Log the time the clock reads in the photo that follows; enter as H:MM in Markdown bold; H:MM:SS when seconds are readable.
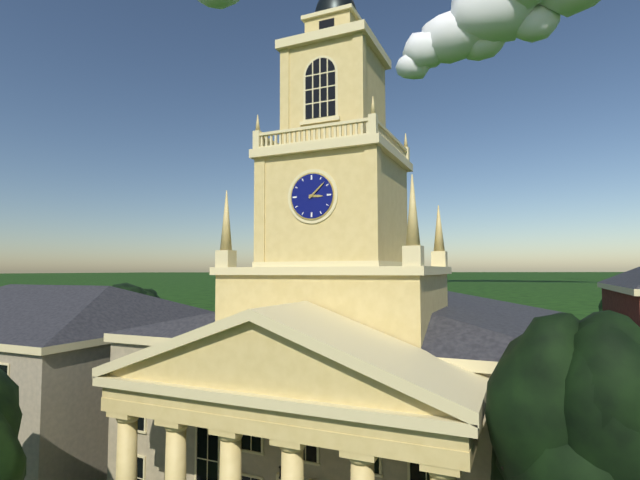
**3:08**
